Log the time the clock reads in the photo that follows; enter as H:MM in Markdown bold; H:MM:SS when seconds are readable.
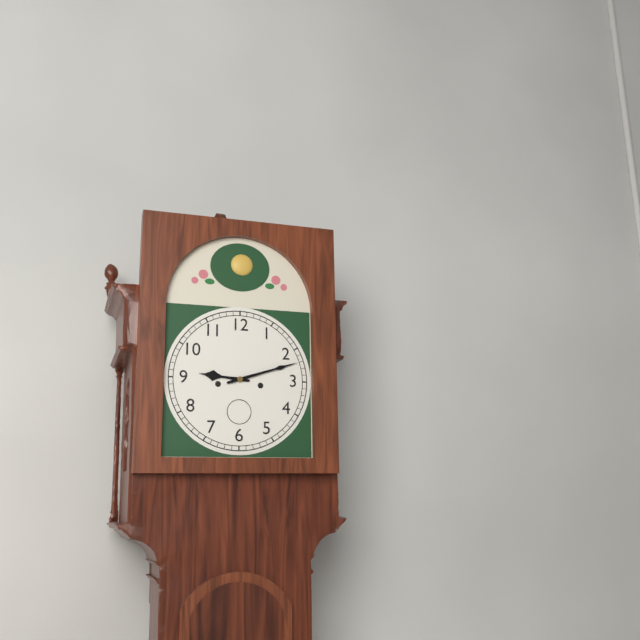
**9:12**
